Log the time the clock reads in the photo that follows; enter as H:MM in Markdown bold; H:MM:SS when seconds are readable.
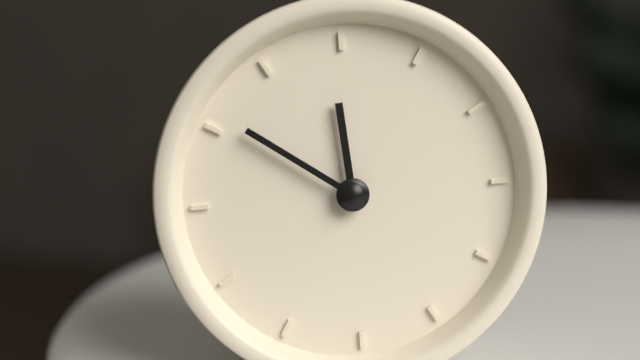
**11:51**
